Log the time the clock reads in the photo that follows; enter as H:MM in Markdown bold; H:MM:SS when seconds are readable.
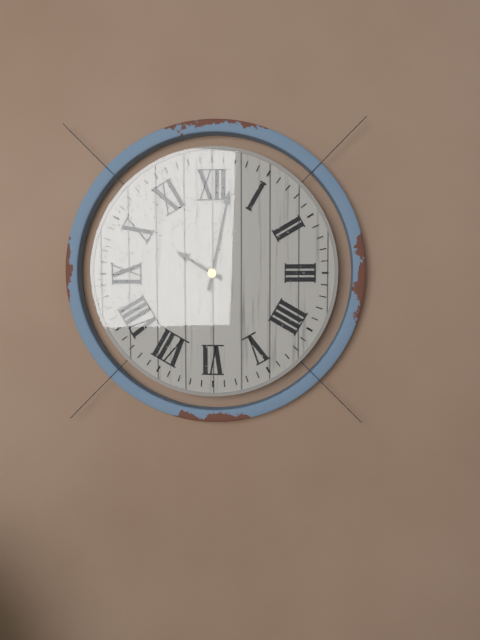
**10:02**
